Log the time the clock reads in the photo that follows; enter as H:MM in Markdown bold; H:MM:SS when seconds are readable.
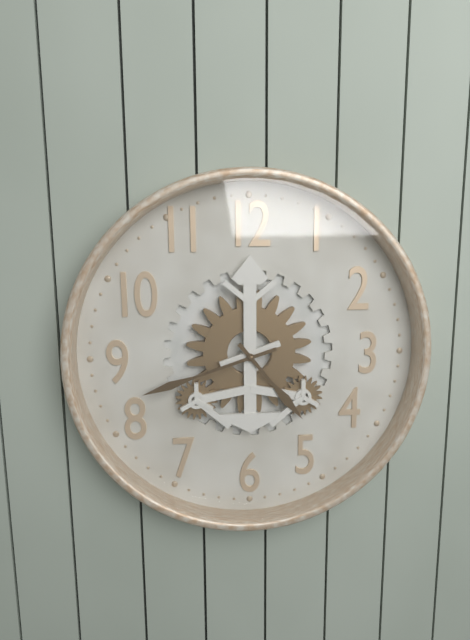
**4:42**
